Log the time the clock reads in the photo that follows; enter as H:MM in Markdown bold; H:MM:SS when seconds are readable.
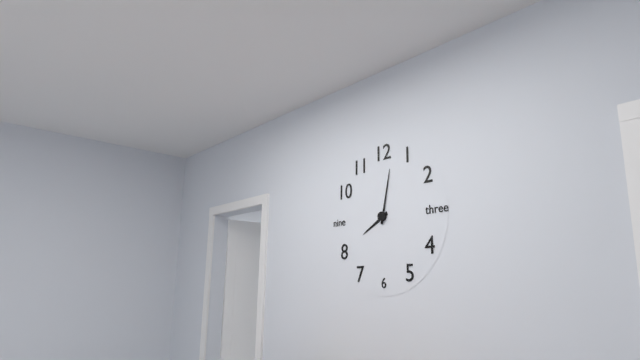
**8:02**
